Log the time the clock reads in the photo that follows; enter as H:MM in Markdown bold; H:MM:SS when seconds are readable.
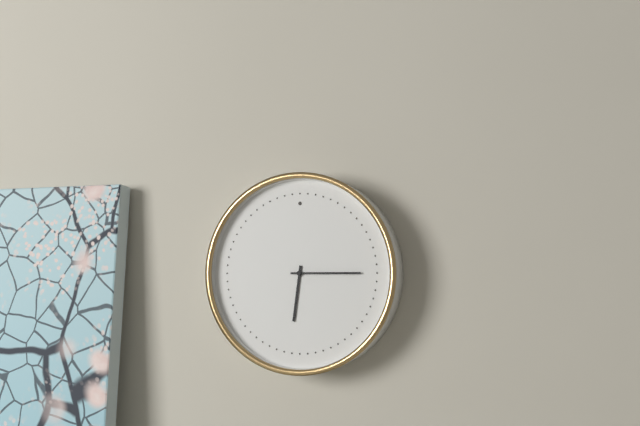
**6:15**
